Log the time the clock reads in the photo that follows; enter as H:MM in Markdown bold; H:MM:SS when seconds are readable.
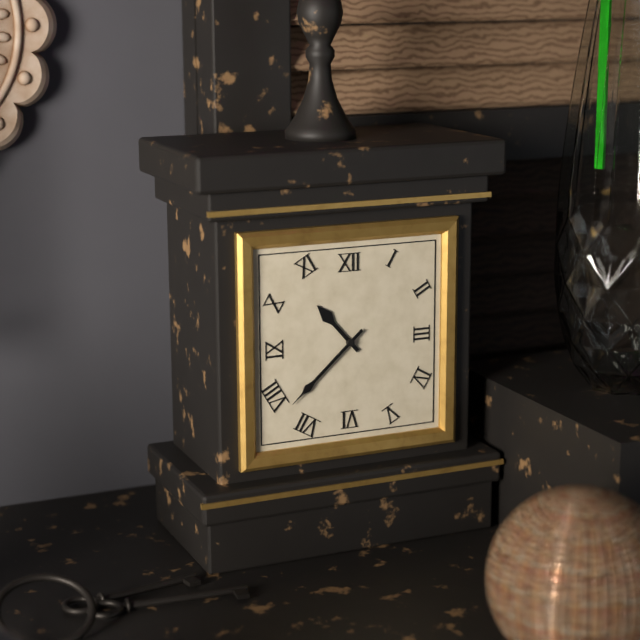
**10:38**
